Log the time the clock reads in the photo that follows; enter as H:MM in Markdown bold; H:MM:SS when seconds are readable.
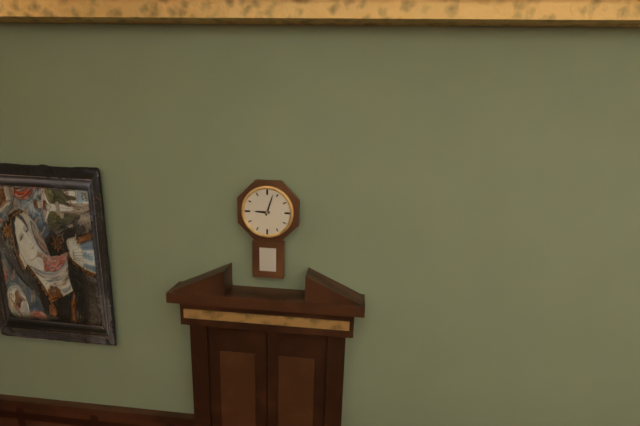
**9:03**
